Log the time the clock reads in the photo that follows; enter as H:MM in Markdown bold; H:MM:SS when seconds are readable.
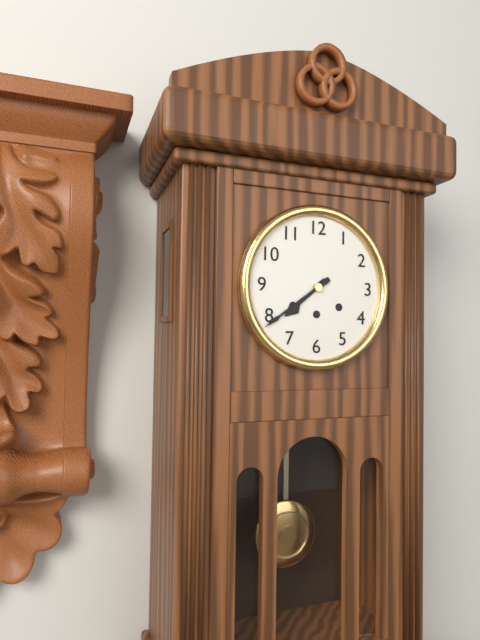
**7:39**
